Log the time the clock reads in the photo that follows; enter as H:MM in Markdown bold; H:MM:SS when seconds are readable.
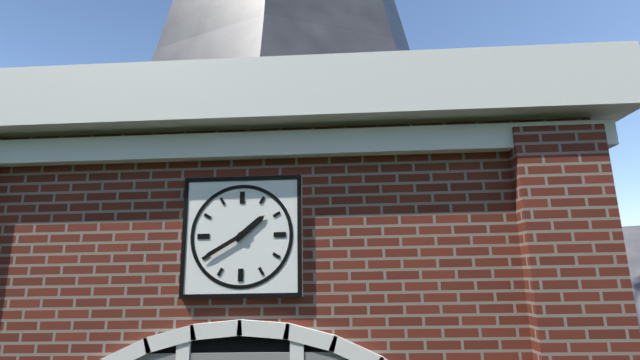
**1:40**
